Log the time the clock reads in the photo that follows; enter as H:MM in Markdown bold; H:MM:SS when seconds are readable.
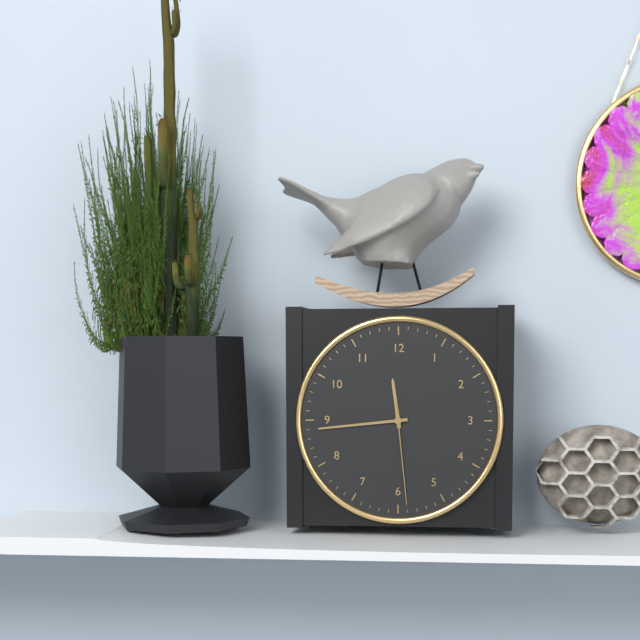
**11:44:29**
